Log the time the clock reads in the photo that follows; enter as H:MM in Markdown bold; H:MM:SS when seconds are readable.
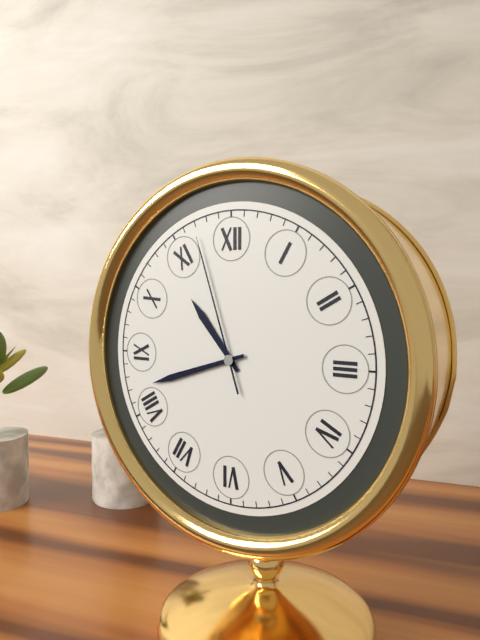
**10:42:57**
